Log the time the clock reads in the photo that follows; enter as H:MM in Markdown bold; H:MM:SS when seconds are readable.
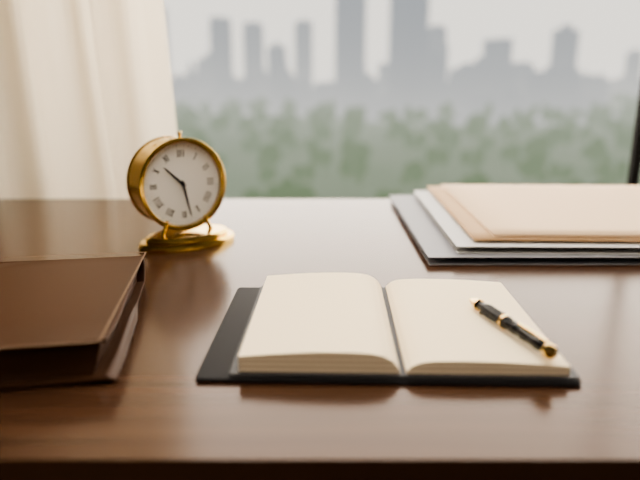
**10:28**
